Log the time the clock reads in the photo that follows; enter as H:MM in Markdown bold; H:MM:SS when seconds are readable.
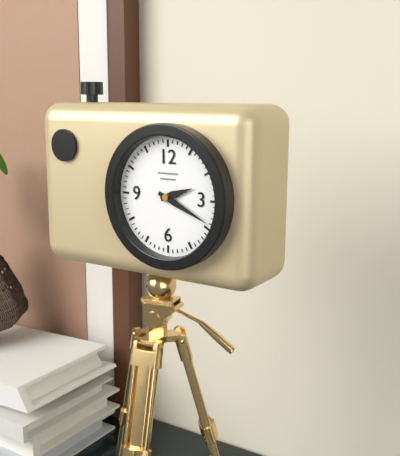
**2:19**
